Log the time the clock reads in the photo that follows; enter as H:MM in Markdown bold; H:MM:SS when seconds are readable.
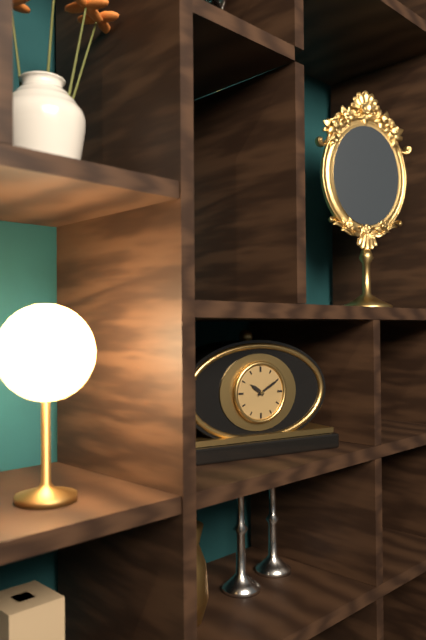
**10:10**
